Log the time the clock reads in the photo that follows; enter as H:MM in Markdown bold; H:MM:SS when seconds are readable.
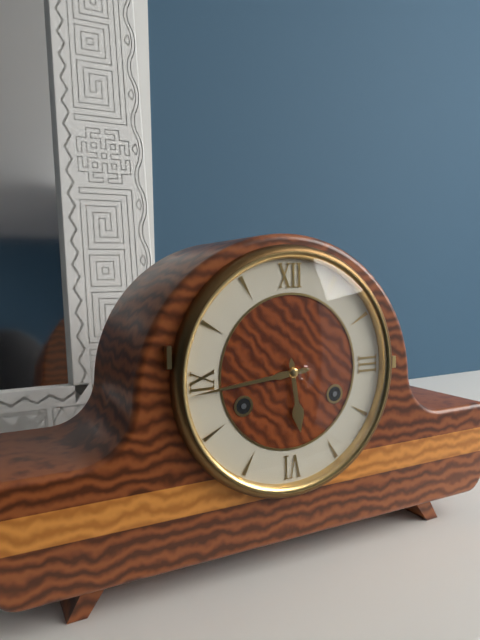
**5:44**
